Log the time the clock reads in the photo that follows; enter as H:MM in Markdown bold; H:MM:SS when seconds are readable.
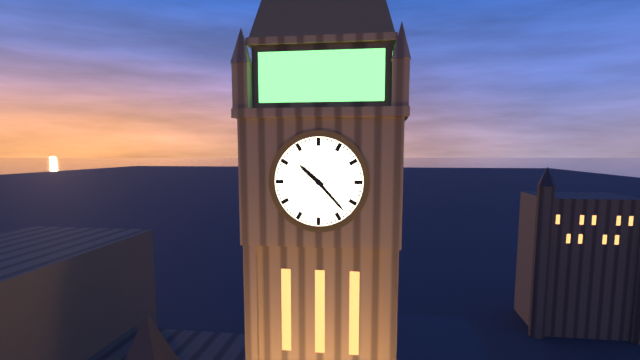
**10:23**
